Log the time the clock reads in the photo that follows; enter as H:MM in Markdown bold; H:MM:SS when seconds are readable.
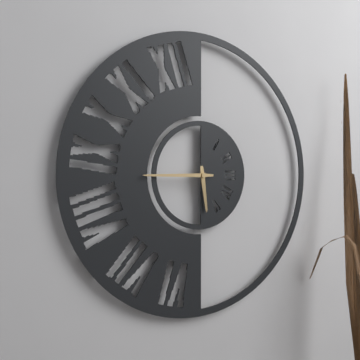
**5:45**
